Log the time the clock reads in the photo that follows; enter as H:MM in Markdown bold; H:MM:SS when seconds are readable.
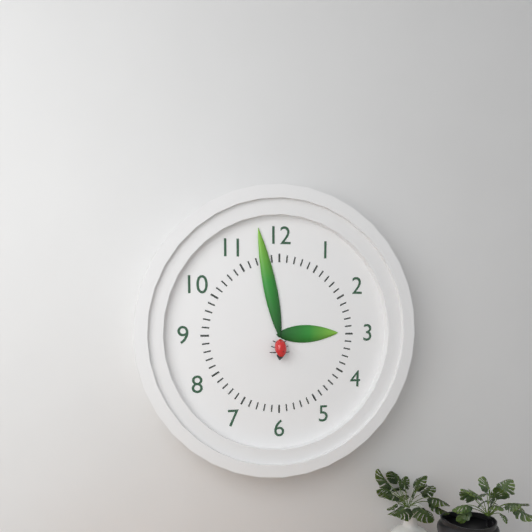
**2:58**
